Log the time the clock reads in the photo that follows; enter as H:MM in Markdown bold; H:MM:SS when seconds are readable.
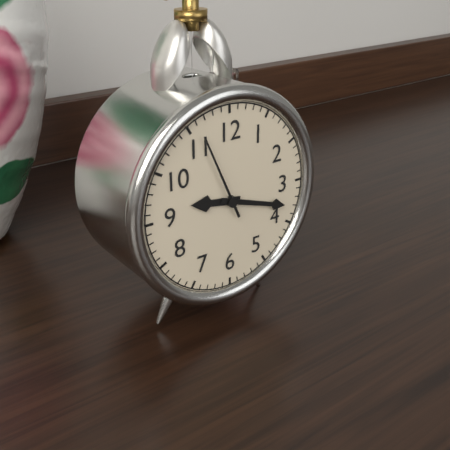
**9:18:56**
